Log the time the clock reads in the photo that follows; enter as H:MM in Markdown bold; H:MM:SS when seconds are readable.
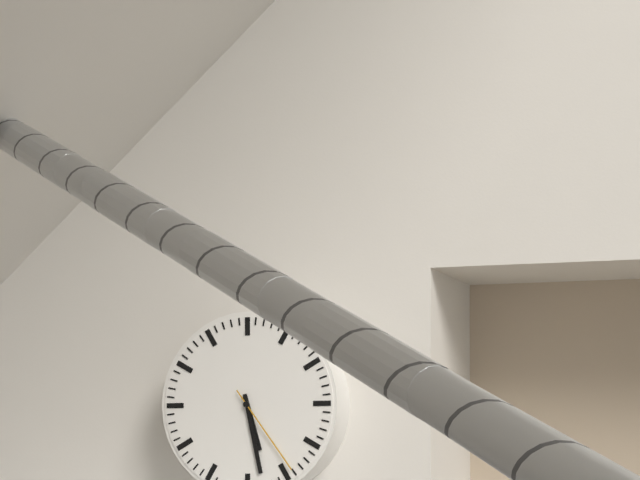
**5:28:24**
